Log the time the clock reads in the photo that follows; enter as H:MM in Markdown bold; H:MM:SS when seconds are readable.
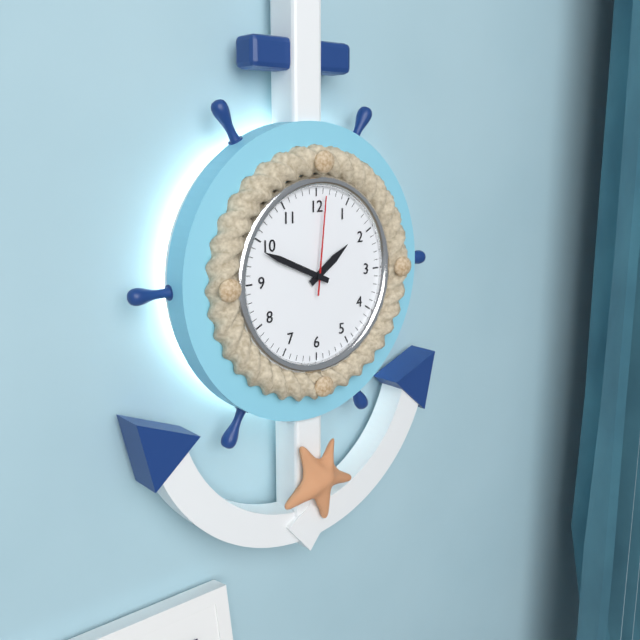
**1:49:01**
